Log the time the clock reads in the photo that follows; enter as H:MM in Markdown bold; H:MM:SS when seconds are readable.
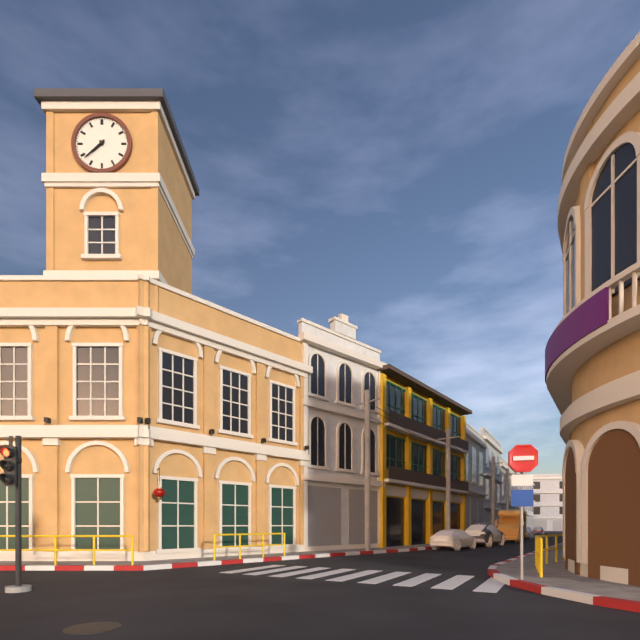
**7:38**
